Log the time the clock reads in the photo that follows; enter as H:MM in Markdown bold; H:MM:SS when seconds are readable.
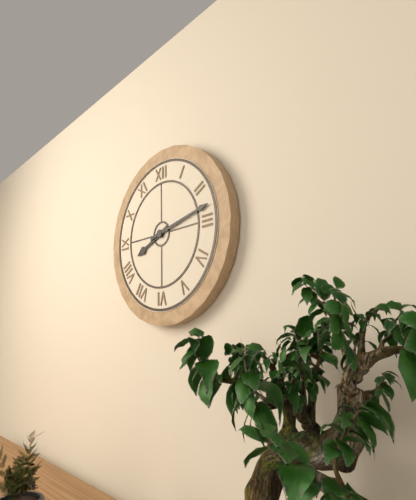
**8:13**
